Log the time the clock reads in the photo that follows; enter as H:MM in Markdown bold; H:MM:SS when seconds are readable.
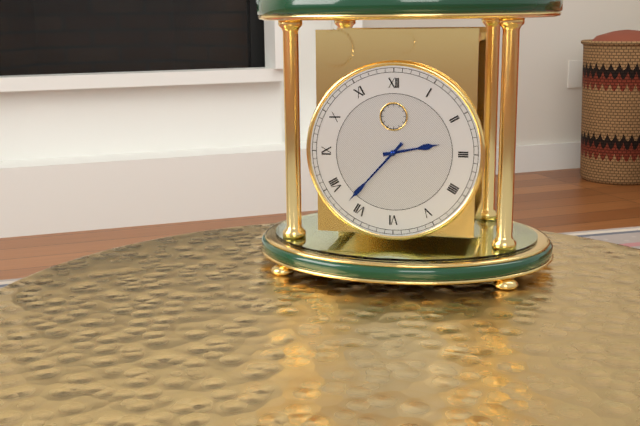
**2:37**
